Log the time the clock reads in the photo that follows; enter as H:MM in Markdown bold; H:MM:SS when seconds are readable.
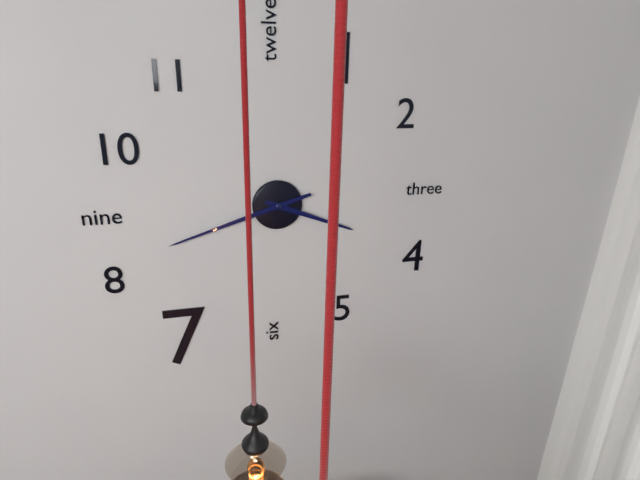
**3:42**
